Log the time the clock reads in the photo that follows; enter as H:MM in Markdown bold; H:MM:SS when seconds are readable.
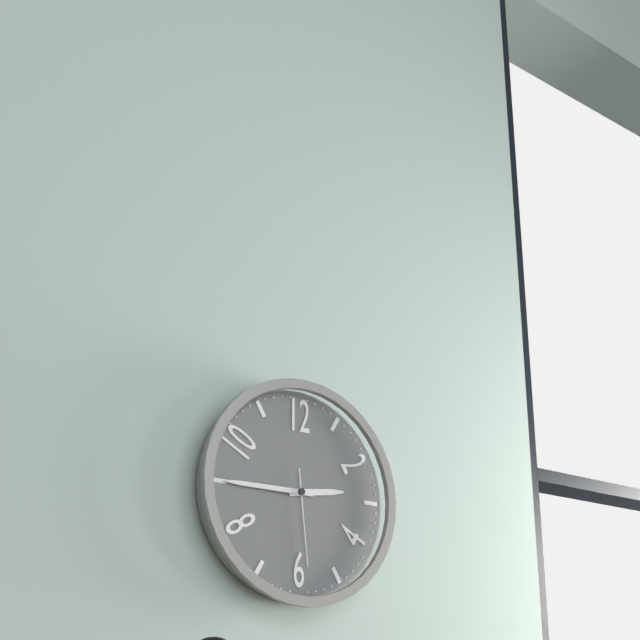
**2:45:29**
